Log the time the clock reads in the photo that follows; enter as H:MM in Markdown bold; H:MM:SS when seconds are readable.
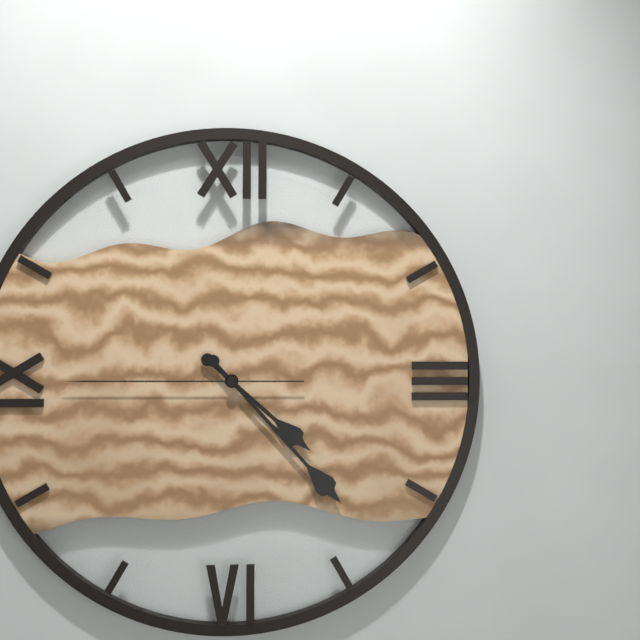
**4:23:45**
